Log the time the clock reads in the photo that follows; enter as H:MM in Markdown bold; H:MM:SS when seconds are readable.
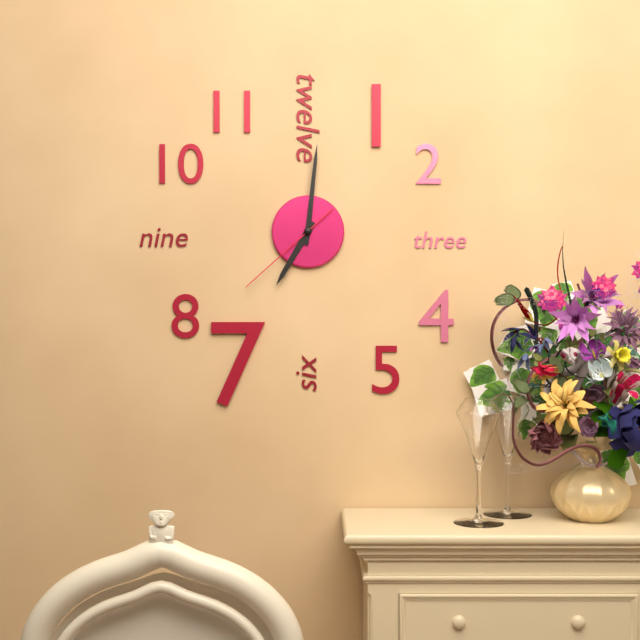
**7:01:38**
